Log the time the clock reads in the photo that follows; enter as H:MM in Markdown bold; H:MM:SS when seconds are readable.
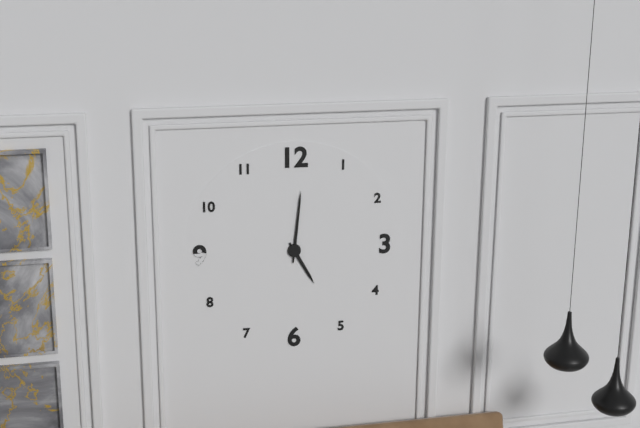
**5:01**
